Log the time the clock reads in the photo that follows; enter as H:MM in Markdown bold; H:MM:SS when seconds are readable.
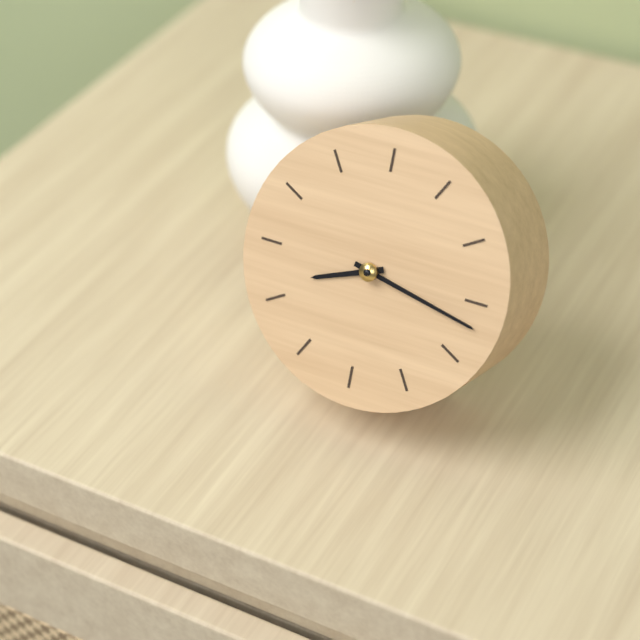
**8:17**
